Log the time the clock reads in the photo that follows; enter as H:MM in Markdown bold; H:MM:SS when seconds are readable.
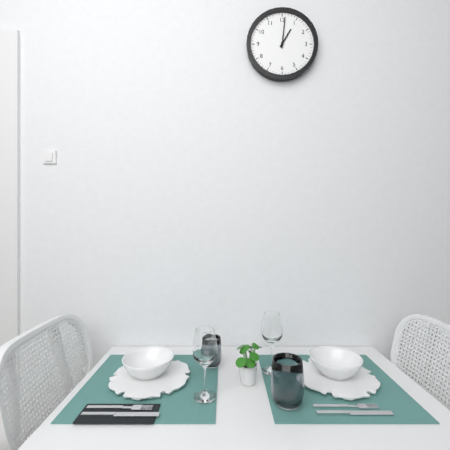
**1:01**
